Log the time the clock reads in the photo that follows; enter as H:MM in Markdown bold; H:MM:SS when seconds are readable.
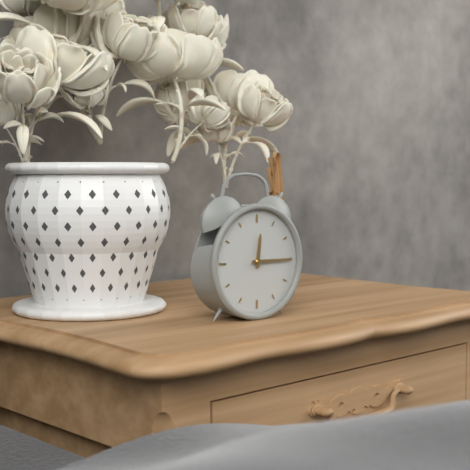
**12:15**
